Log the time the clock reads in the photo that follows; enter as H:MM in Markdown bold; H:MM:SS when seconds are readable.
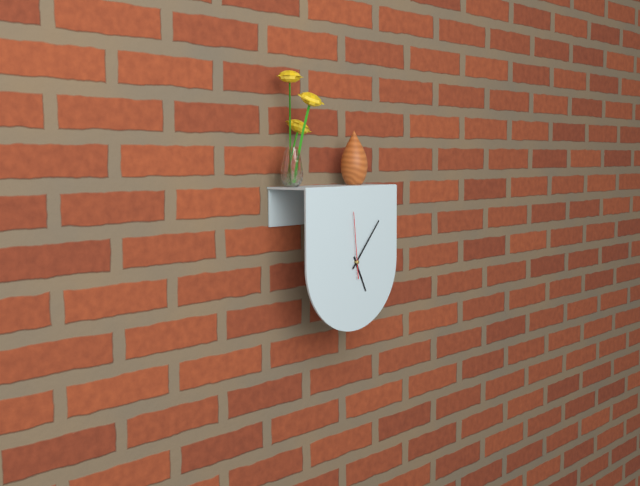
**5:07:59**
